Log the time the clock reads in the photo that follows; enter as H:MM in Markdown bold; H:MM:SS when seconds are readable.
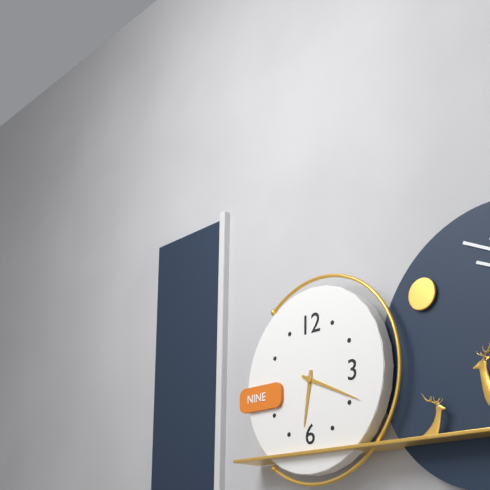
**6:19**
